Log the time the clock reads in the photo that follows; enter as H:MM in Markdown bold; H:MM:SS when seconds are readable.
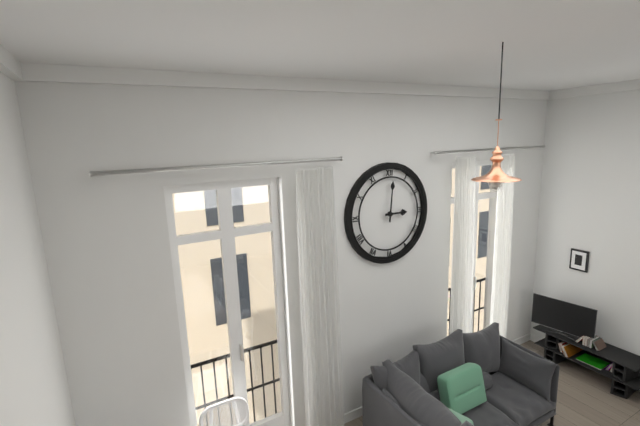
**3:01**
